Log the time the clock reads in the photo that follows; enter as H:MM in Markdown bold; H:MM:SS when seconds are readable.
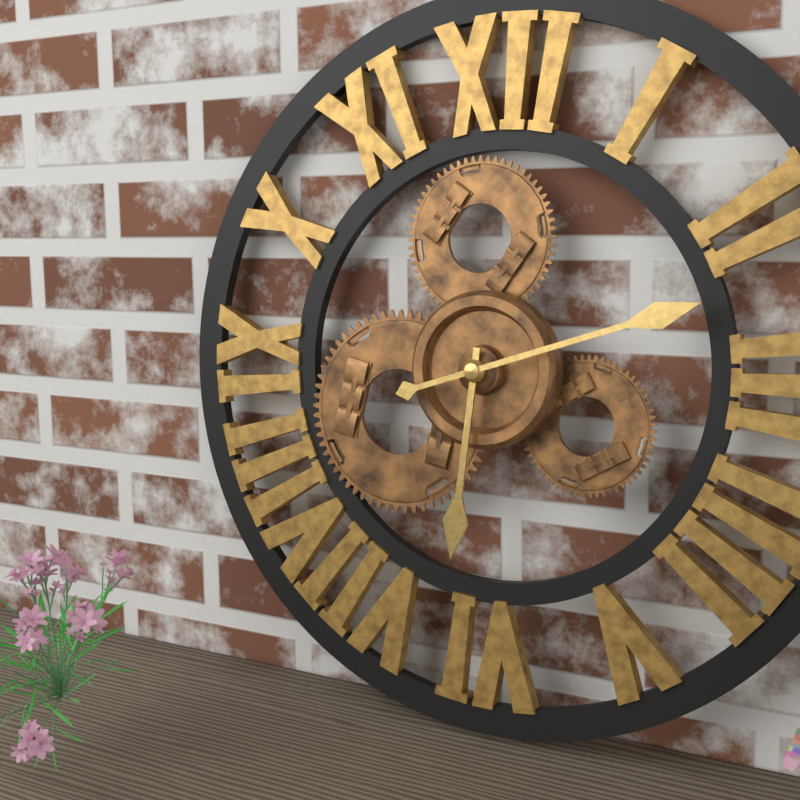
**6:12**
